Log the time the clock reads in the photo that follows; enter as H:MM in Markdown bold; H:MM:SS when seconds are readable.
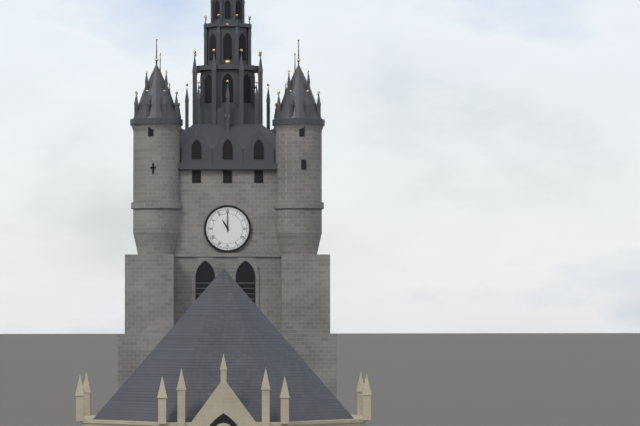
**11:00**
